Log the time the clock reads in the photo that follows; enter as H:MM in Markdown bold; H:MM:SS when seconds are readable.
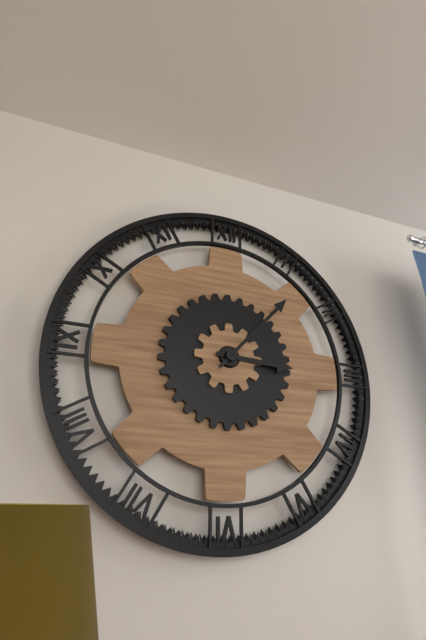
**3:07**
